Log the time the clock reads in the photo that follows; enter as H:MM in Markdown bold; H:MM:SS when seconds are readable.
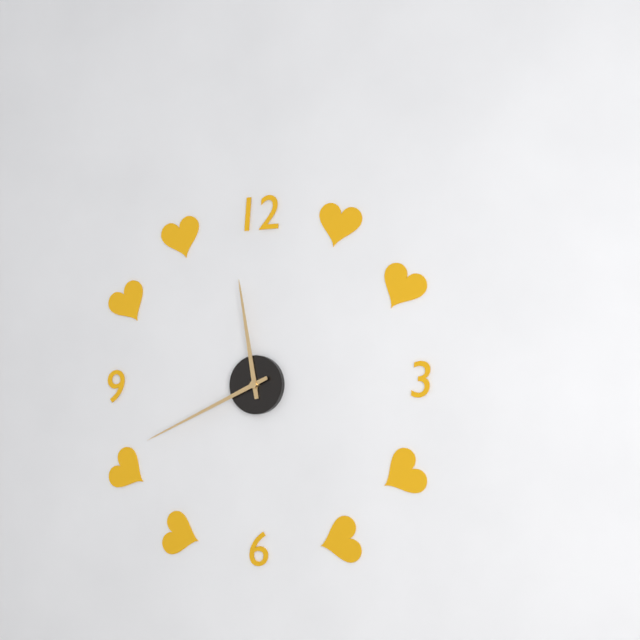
**11:41**
